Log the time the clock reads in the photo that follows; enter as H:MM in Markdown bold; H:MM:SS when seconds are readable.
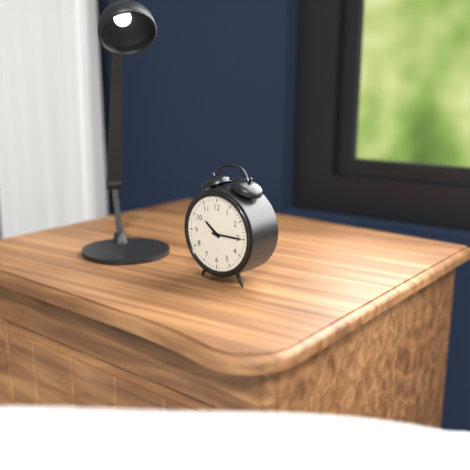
**10:15**
